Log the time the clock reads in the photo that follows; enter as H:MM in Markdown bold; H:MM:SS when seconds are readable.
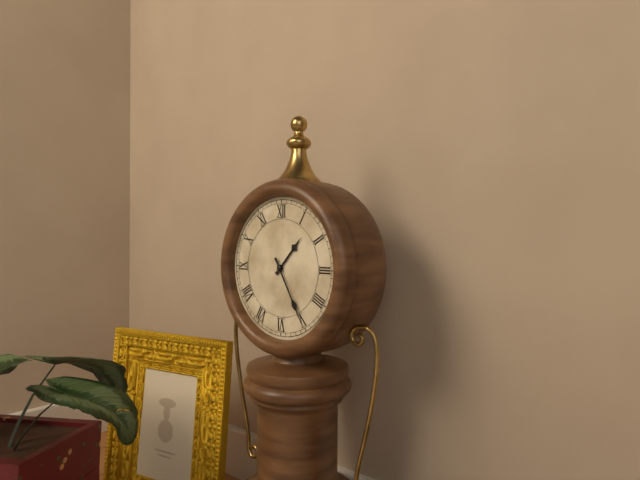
**1:25**
